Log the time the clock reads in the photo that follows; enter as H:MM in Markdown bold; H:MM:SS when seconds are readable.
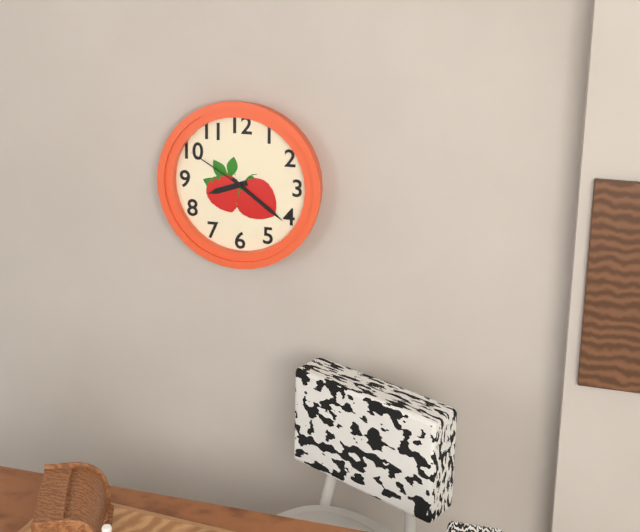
**8:21:50**
